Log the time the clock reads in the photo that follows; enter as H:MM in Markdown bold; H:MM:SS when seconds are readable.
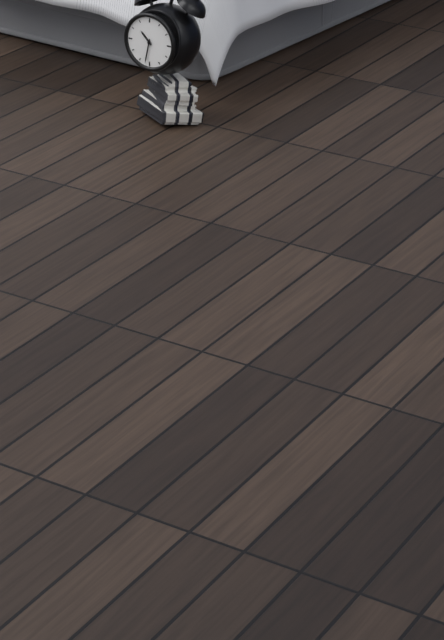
**10:32**
